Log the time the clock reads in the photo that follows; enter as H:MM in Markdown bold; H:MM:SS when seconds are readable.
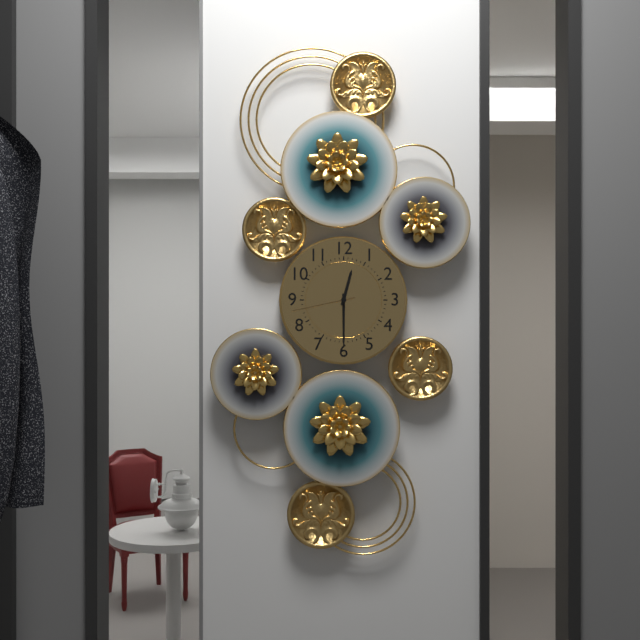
**12:30:43**
